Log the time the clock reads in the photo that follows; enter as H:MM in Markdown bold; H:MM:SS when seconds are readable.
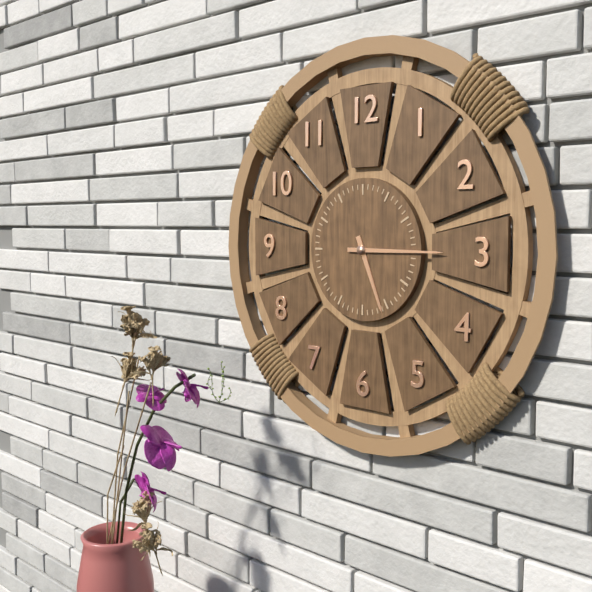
**5:15**
